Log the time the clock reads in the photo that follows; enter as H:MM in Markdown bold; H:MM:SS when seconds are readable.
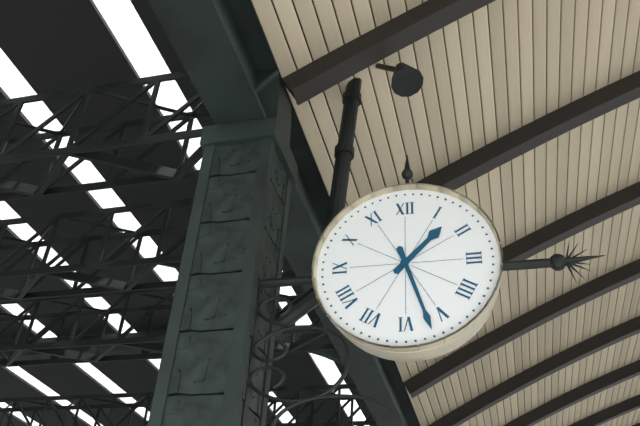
**1:27**
